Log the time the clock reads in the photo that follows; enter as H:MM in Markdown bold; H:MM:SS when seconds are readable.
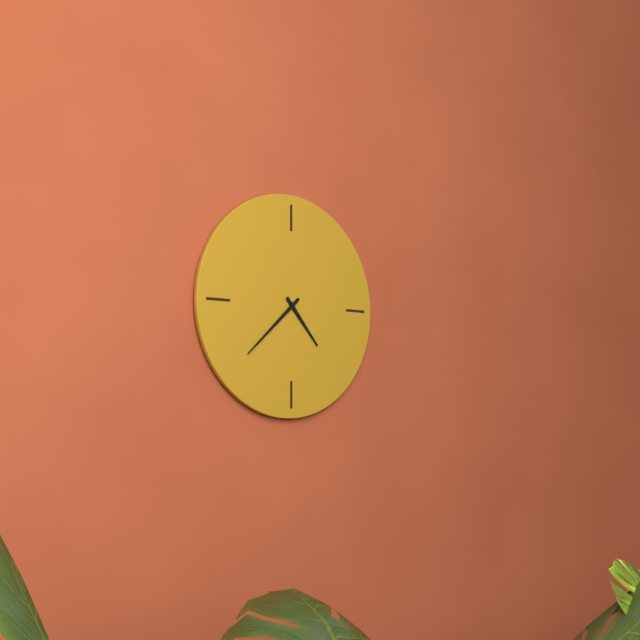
**4:38**
